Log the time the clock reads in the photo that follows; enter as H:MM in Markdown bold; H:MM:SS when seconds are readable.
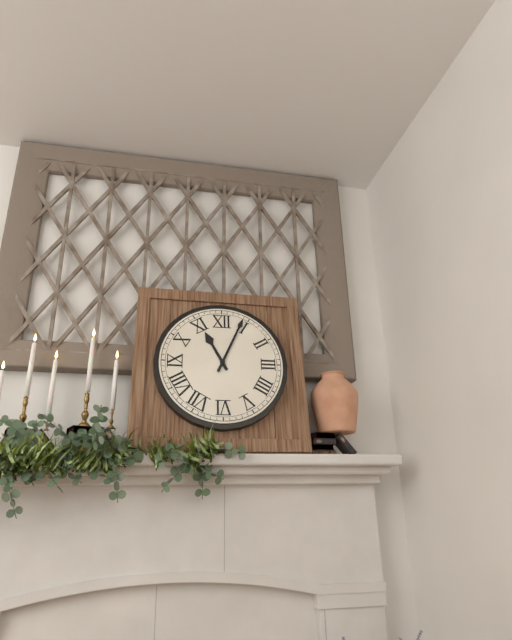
**11:04**
